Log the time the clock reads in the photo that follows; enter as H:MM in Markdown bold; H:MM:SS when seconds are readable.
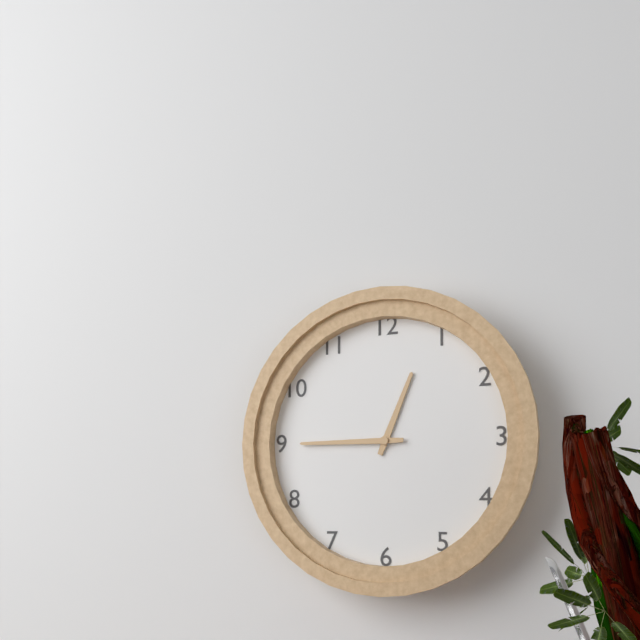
**12:45**
